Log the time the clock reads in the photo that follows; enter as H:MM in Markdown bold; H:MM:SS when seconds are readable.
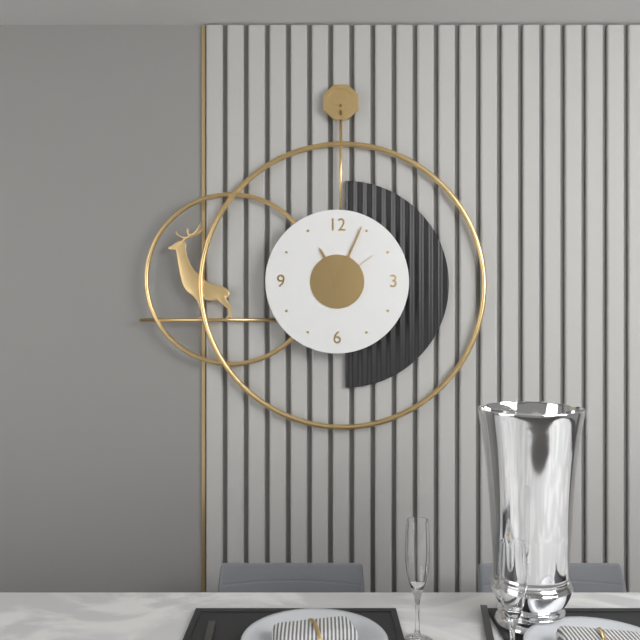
**11:04:09**
